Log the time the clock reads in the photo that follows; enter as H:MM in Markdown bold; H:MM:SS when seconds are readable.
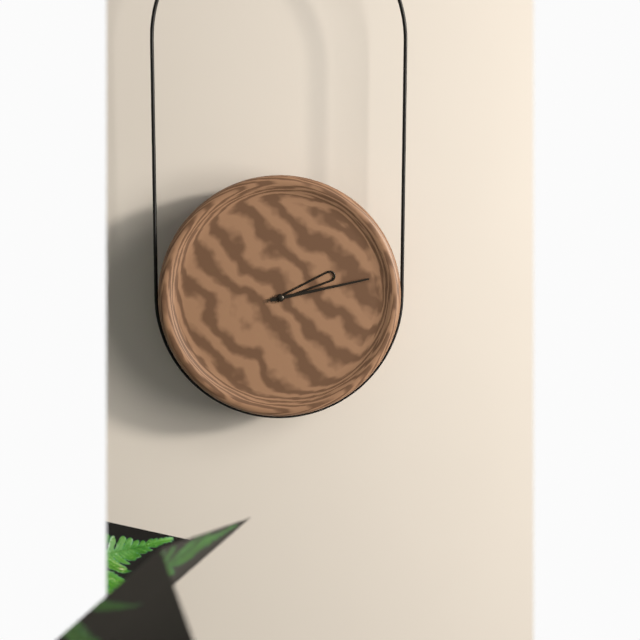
**2:13**
